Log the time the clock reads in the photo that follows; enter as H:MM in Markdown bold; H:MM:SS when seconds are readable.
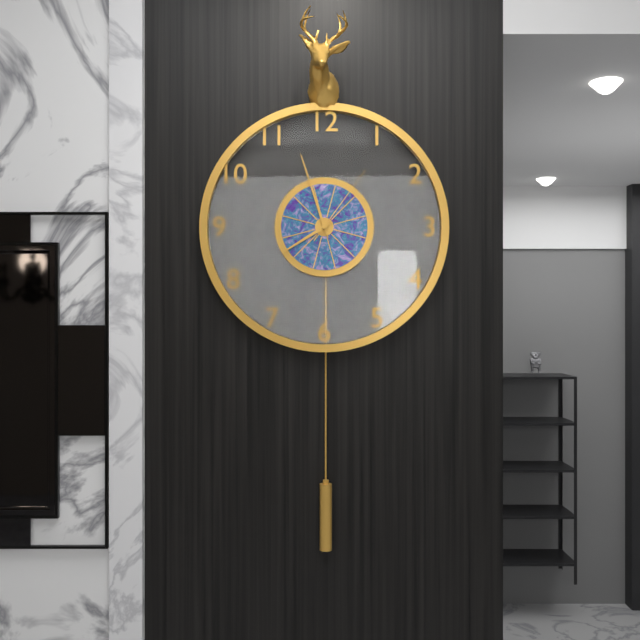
**7:57:06**
